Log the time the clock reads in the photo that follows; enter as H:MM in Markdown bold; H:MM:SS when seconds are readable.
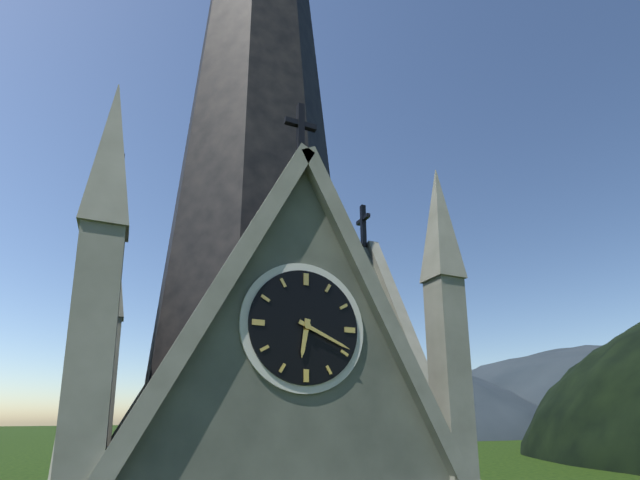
**6:19**
